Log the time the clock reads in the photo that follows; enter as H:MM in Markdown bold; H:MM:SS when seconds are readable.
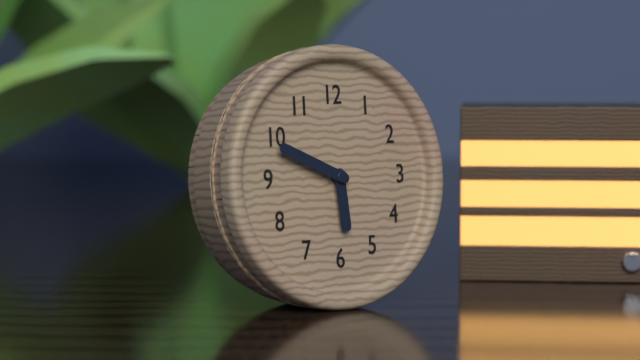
**5:49**
